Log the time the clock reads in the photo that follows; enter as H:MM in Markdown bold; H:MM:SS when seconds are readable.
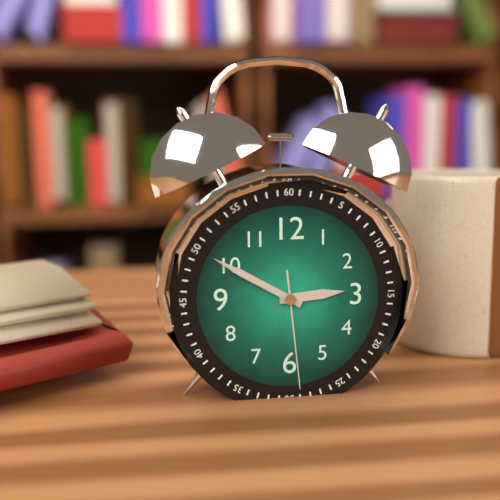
**2:50:29**
